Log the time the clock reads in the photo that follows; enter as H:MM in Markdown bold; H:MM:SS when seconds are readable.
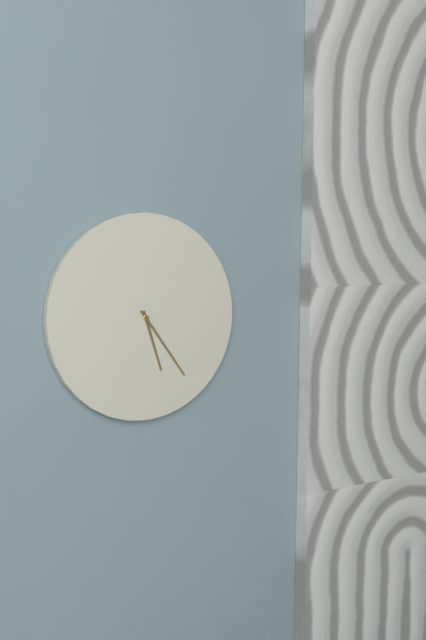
**5:24**
